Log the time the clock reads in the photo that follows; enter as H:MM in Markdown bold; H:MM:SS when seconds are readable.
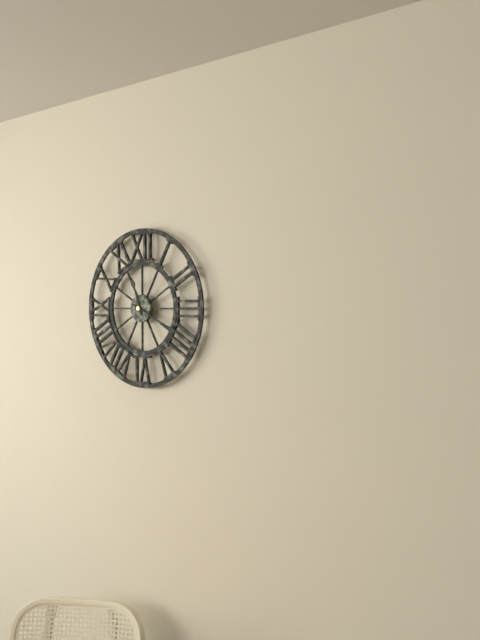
**11:19**
